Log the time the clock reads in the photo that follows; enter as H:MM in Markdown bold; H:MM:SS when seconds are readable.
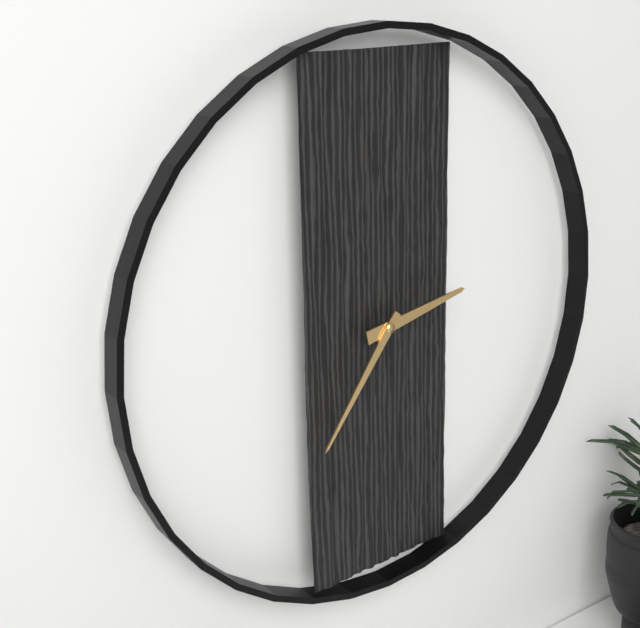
**2:36**
